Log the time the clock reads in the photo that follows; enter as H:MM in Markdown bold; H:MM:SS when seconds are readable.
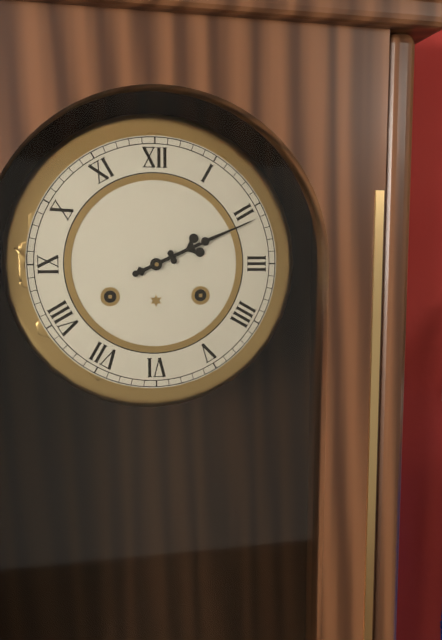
**2:11**
